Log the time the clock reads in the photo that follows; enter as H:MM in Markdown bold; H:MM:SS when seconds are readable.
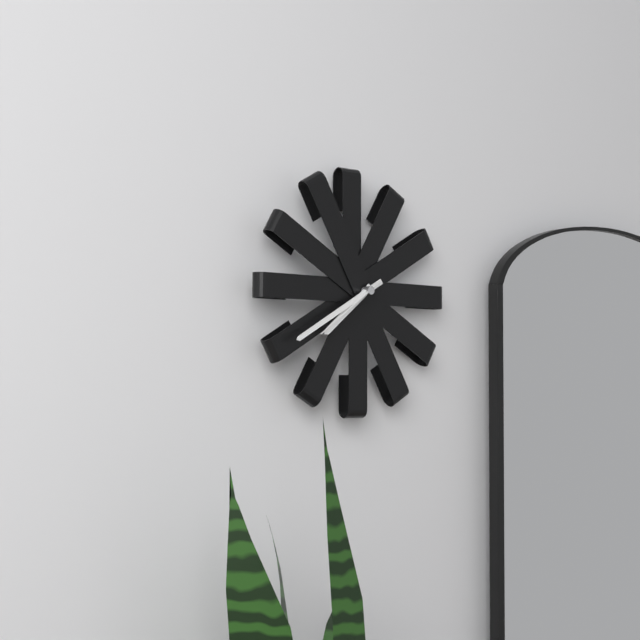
**7:40:39**
